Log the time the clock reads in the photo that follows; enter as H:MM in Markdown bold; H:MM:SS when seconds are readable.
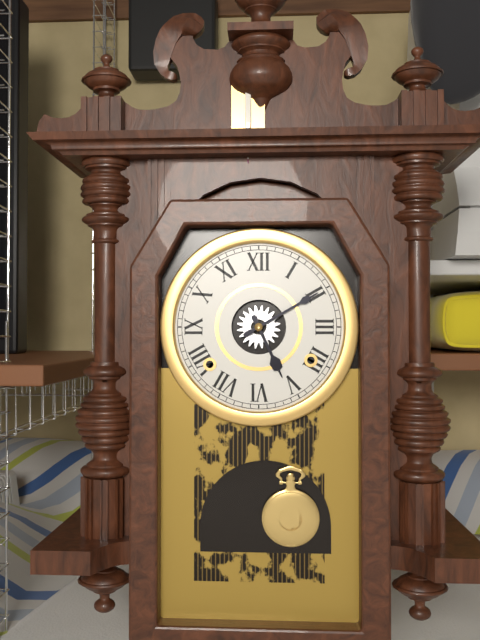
**5:10**
